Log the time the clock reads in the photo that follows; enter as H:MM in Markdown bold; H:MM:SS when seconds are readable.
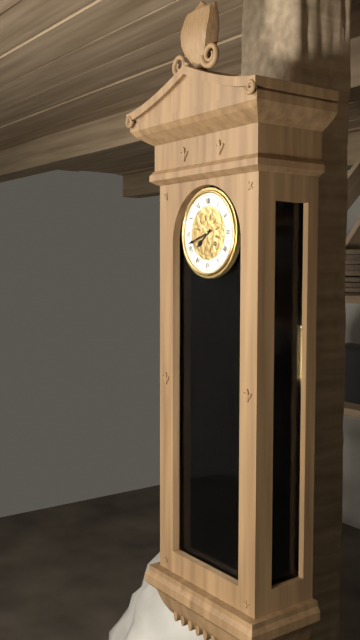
**7:42**
